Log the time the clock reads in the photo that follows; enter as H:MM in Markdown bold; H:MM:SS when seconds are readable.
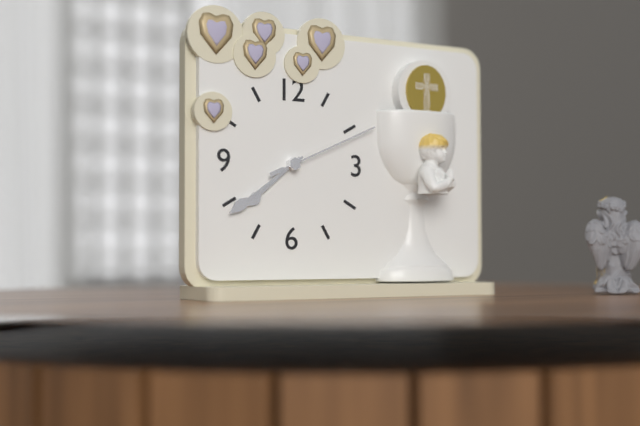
**7:39:11**
